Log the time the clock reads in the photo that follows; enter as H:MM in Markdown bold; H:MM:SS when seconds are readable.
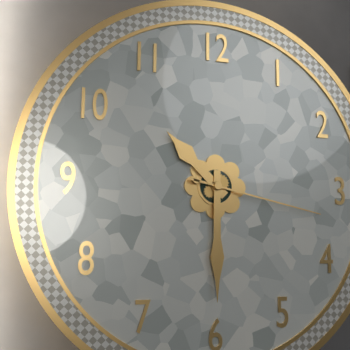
**10:30:17**
